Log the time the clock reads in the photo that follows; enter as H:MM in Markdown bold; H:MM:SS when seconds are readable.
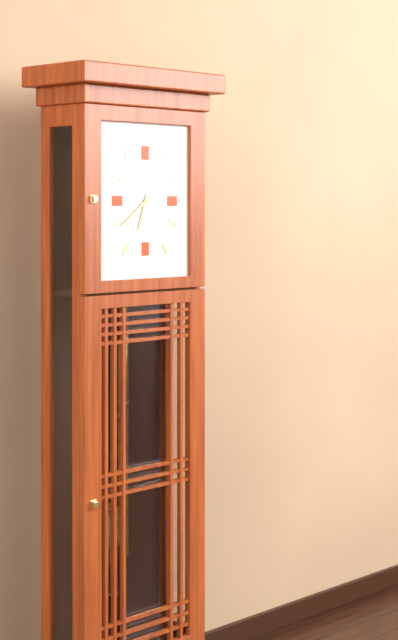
**6:39**
